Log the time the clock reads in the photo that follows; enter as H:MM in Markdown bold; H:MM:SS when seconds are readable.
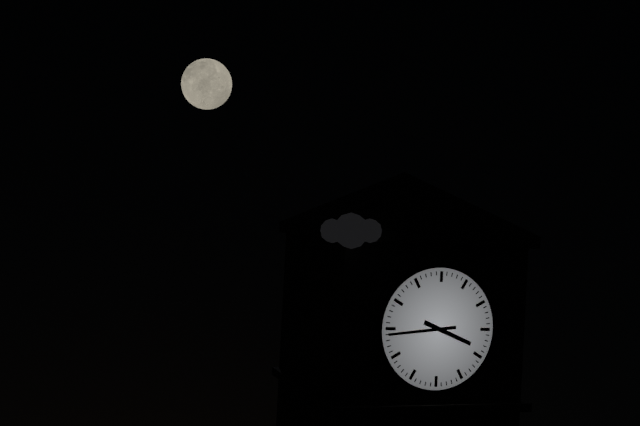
**3:44**
